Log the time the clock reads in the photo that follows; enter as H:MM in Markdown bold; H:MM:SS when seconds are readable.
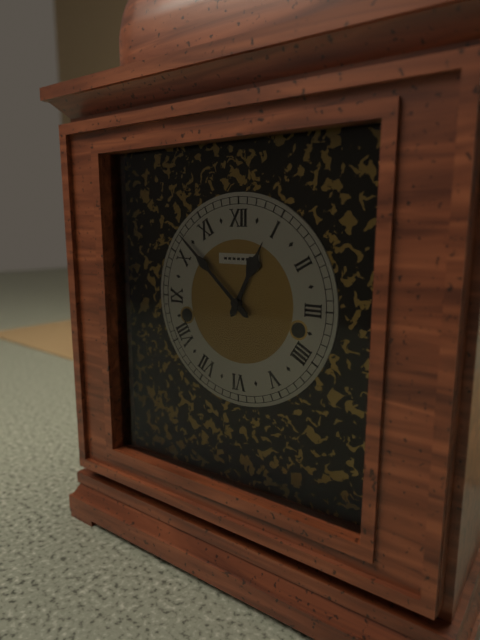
**12:52**
